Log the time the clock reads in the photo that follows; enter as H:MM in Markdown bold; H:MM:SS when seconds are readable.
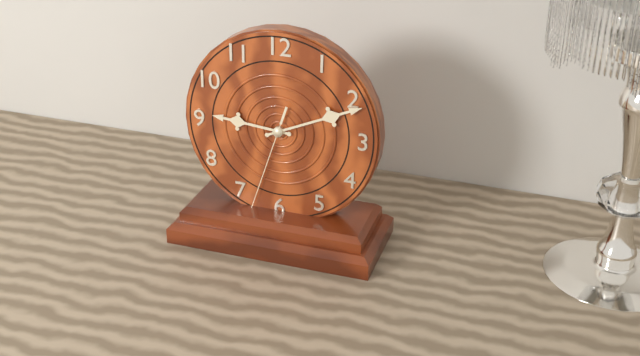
**9:11:33**
